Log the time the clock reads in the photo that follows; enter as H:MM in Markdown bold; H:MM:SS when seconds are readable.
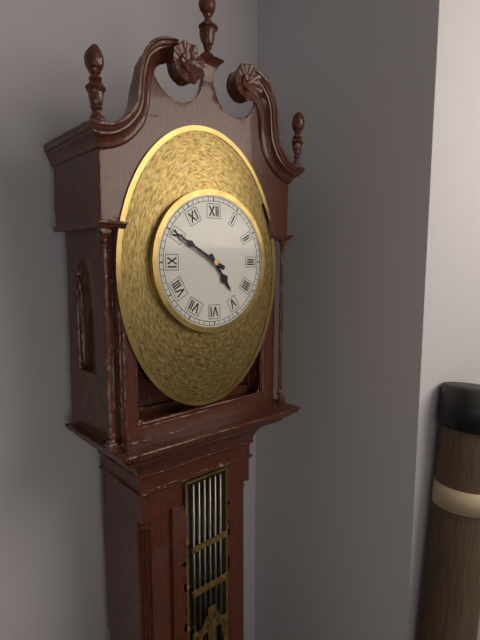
**4:50**
